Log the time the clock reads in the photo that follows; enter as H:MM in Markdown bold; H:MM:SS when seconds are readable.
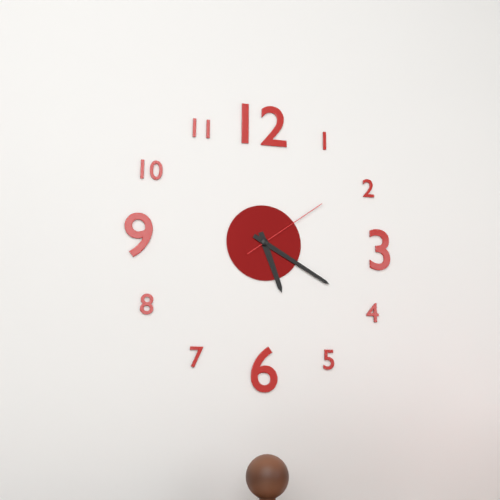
**5:20:09**
